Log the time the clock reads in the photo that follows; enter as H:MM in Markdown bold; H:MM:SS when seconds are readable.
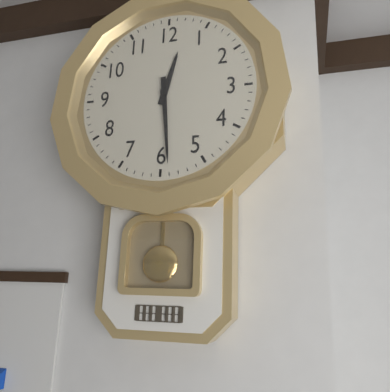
**12:29**
